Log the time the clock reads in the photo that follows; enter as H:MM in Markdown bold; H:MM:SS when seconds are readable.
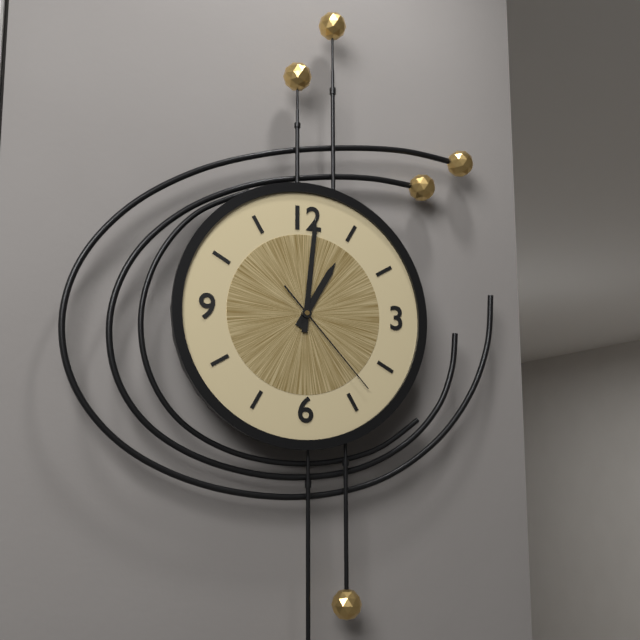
**1:01:23**
